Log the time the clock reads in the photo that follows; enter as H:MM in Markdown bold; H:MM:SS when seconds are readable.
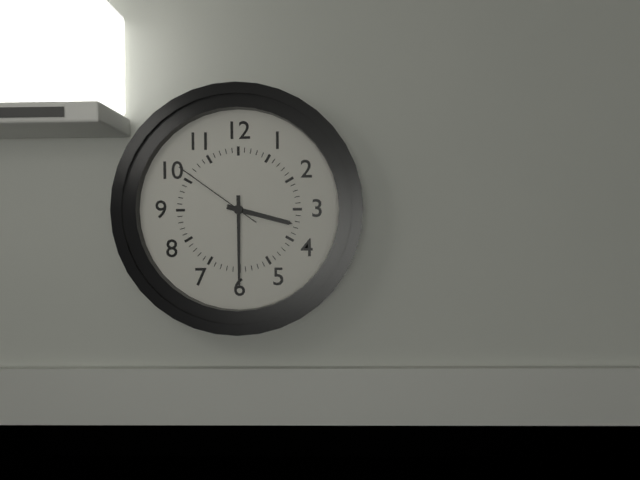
**3:30:51**
